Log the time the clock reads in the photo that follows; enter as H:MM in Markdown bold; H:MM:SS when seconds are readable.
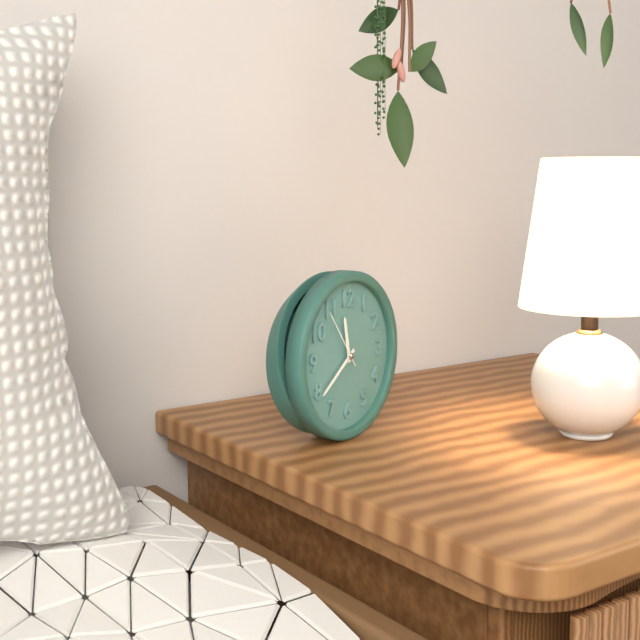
**11:39:54**
